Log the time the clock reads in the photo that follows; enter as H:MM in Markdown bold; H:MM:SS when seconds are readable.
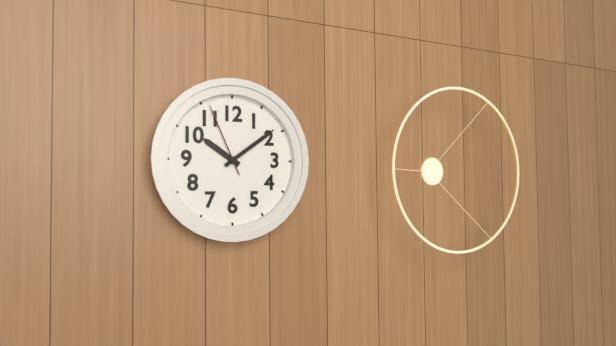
**10:09:56**
